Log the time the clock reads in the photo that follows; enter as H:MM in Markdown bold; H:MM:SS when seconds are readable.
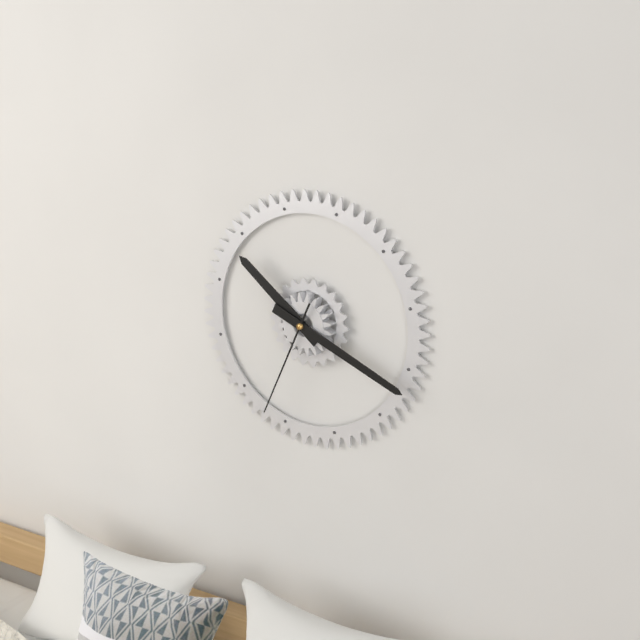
**10:19:34**
